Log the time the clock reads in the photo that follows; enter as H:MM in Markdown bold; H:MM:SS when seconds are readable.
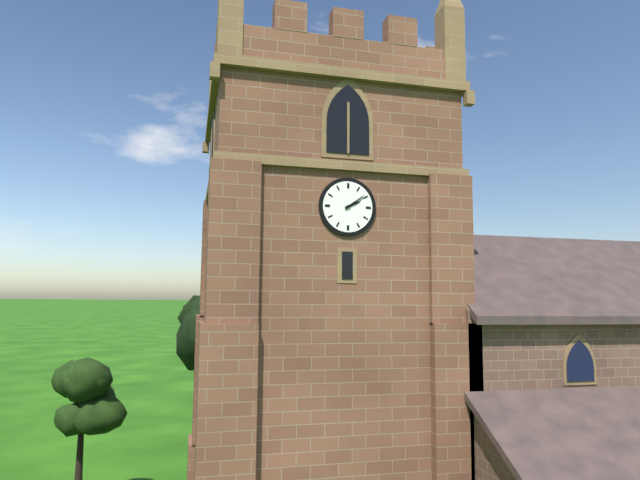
**2:09**
